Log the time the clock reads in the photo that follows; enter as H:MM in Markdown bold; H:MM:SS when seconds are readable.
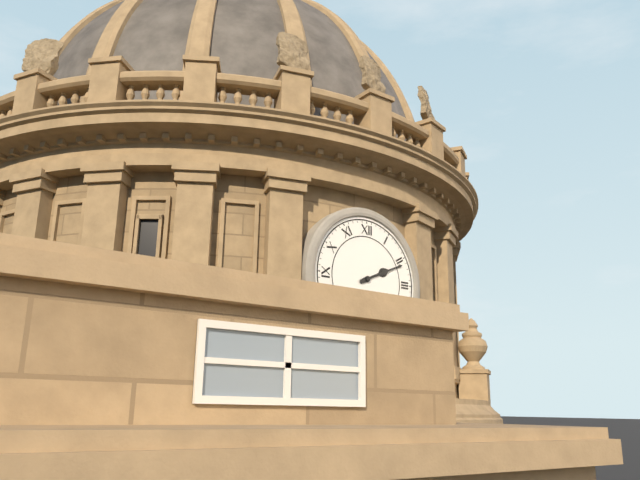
**2:11**
